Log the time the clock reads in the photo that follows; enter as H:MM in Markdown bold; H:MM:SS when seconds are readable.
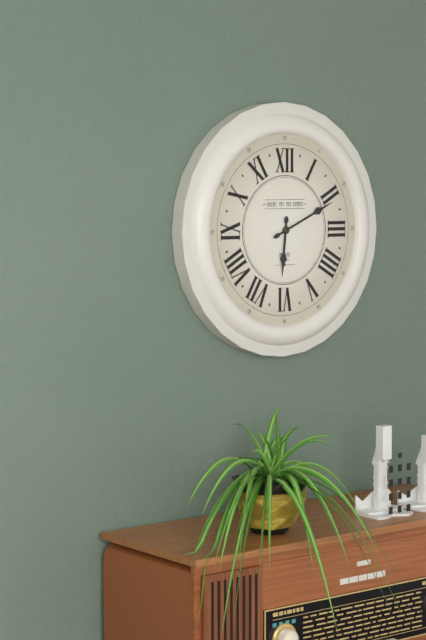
**6:11**
